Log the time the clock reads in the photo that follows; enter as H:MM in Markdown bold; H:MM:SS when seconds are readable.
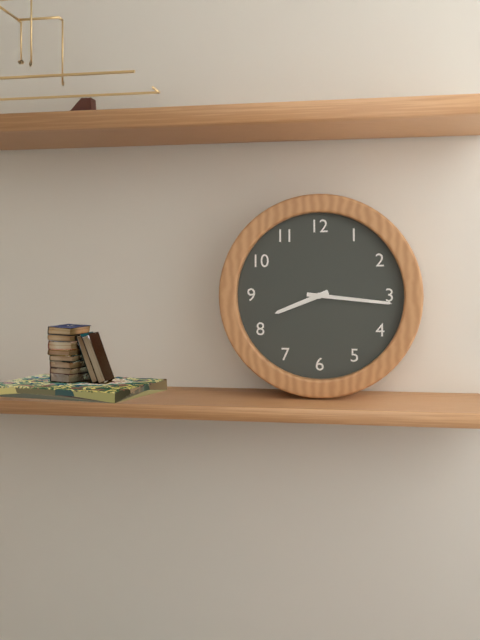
**8:16**
